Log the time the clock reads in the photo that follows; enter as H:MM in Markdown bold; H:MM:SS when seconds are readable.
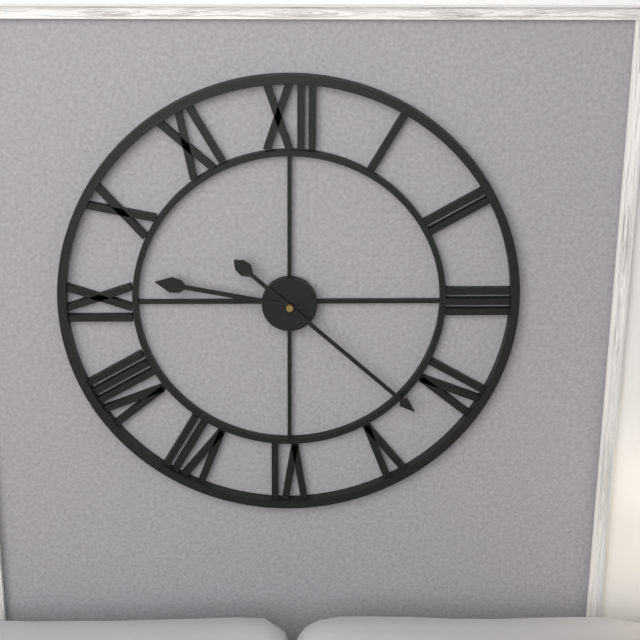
**9:22**
